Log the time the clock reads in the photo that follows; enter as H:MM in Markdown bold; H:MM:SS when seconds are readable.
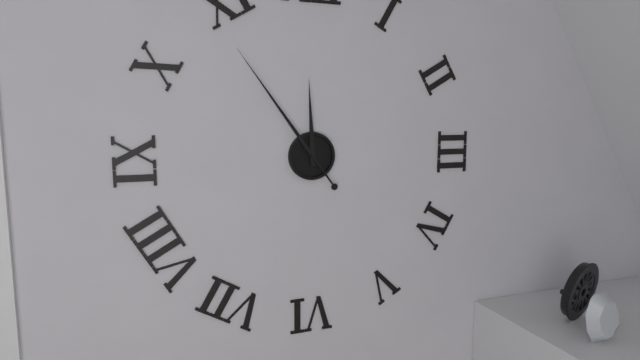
**11:54**
